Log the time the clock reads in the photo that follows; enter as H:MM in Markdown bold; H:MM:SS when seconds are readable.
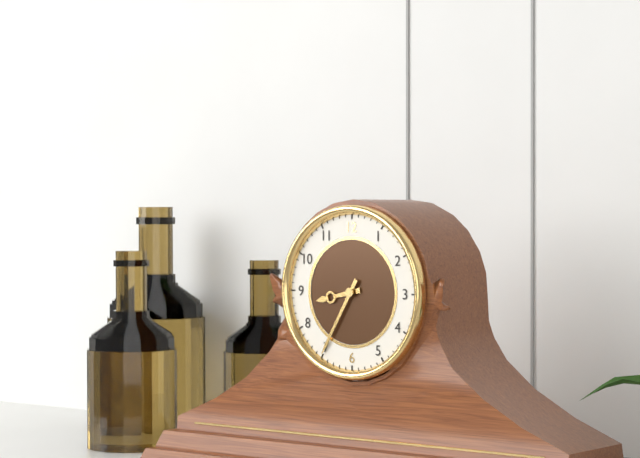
**8:35**
